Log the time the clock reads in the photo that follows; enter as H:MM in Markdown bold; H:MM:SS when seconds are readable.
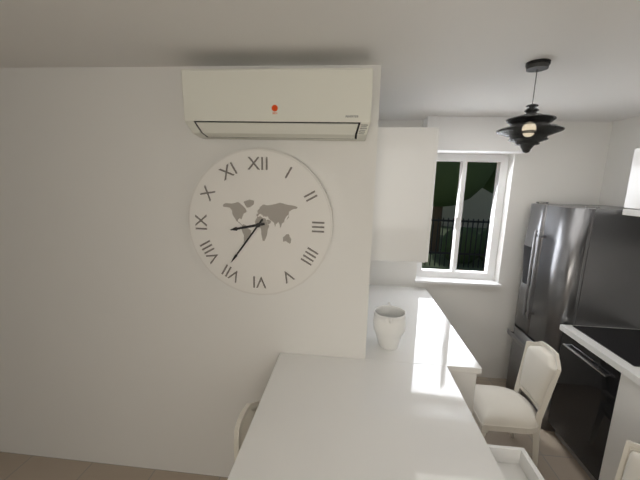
**8:36**
